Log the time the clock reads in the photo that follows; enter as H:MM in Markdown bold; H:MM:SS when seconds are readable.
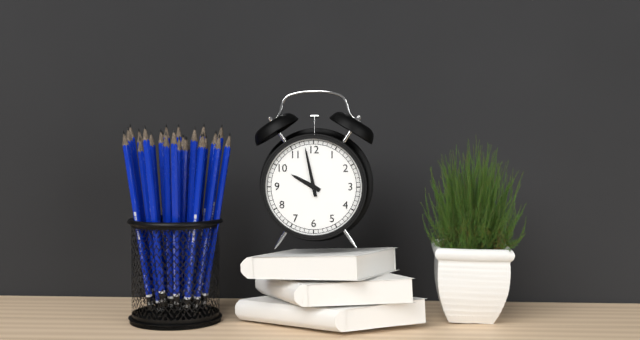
**9:58**
